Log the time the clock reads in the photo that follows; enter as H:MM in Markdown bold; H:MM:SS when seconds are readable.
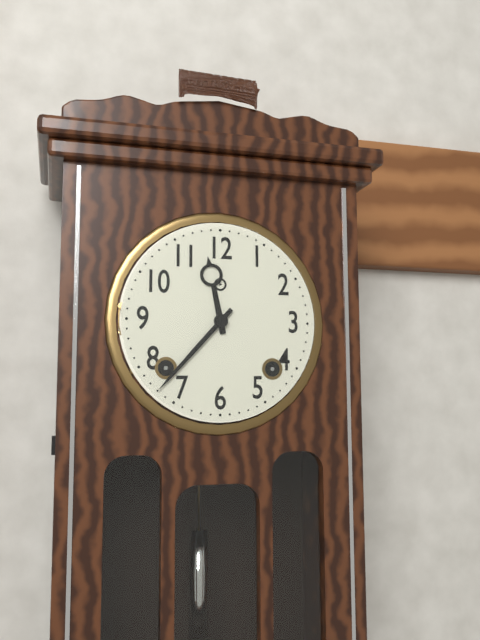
**11:37**
